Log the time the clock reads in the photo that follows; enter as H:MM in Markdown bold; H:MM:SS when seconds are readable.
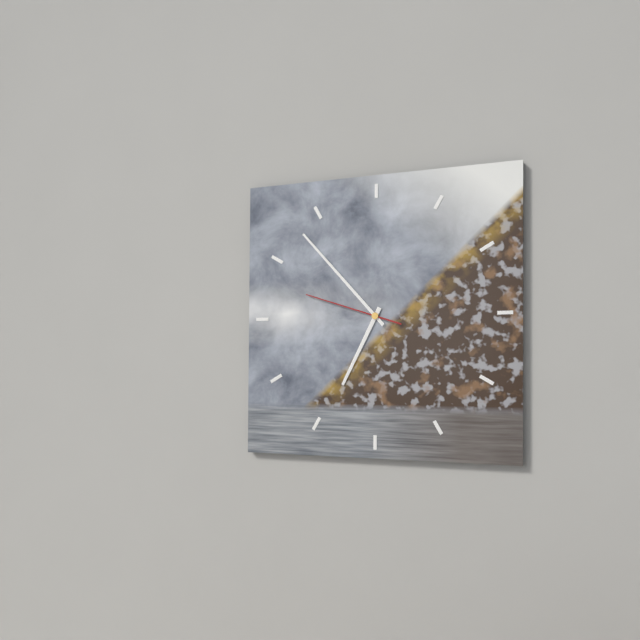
**6:53:48**
